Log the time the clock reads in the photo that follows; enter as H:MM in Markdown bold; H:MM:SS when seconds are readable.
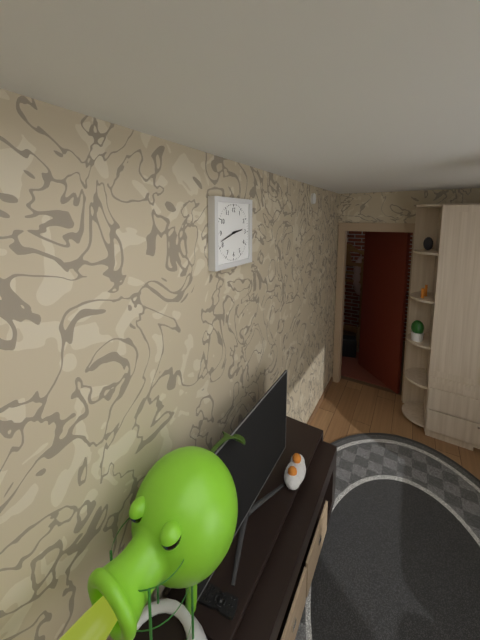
**2:42**
